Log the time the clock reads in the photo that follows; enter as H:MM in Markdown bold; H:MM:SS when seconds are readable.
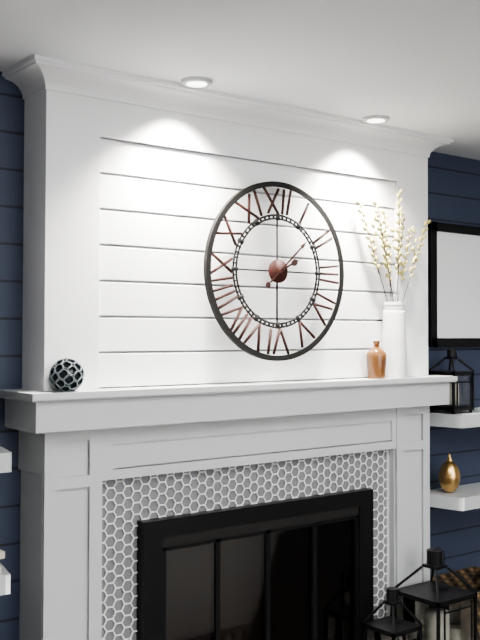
**2:08**
